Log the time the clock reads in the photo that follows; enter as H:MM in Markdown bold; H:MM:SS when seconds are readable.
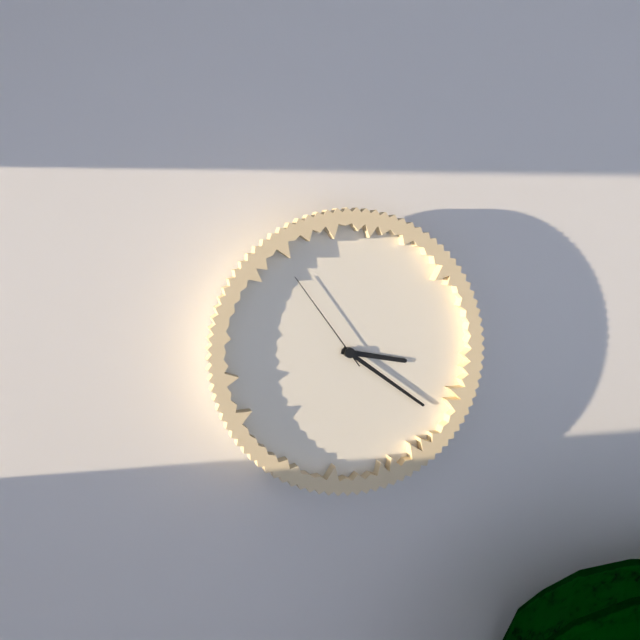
**3:21:54**
